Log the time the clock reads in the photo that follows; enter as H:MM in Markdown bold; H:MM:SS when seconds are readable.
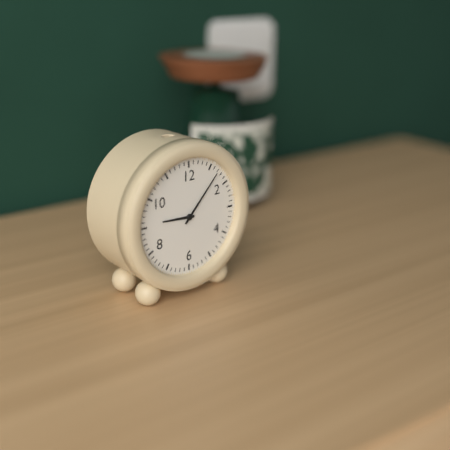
**9:07**
